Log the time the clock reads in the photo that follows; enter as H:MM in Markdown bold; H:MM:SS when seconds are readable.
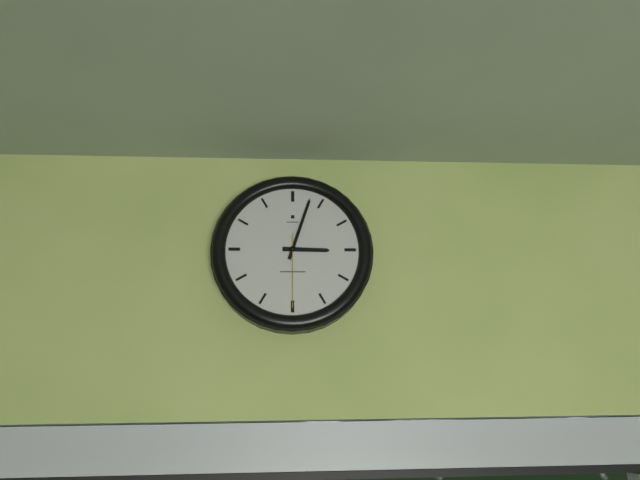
**3:03:30**
